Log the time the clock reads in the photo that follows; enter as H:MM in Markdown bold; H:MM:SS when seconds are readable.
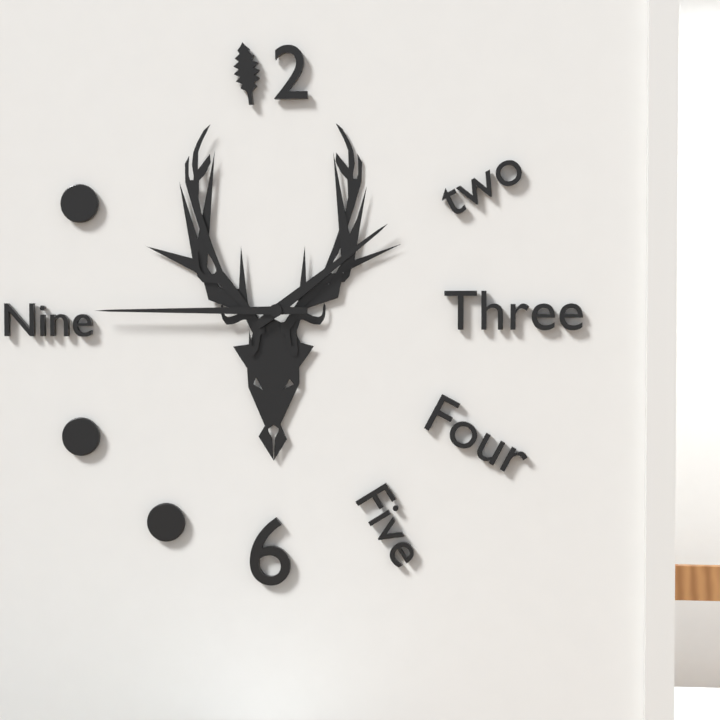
**1:45**
